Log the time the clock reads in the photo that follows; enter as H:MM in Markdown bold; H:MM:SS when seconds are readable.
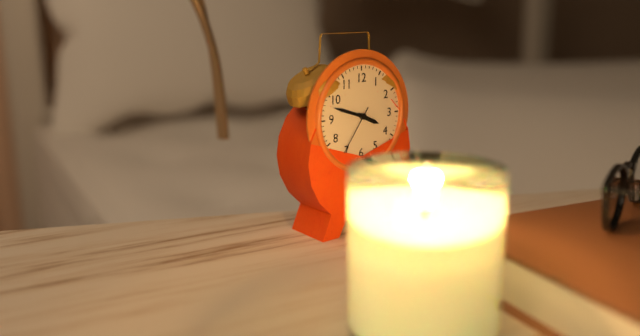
**3:48:36**
